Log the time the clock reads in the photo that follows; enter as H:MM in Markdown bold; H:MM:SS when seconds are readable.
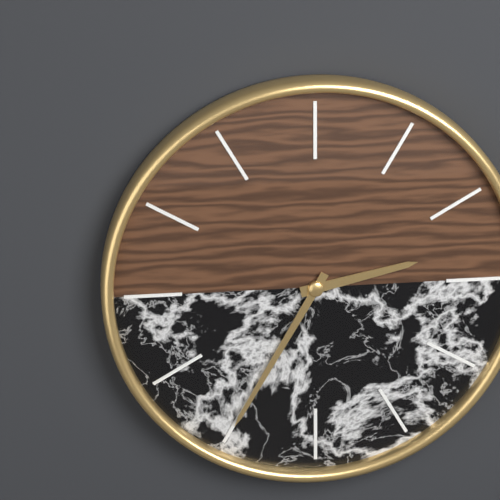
**2:35**
